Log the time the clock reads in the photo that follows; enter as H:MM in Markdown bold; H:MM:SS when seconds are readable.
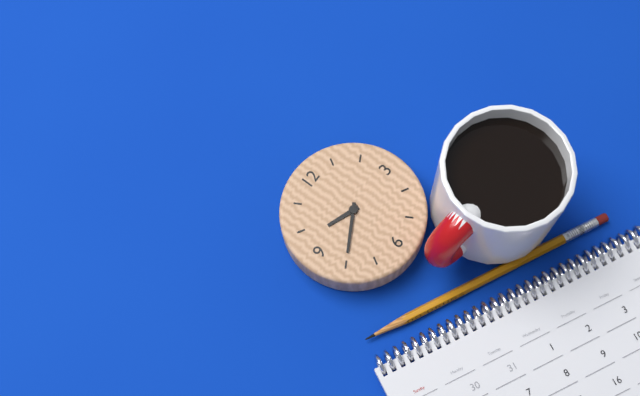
**9:40**
